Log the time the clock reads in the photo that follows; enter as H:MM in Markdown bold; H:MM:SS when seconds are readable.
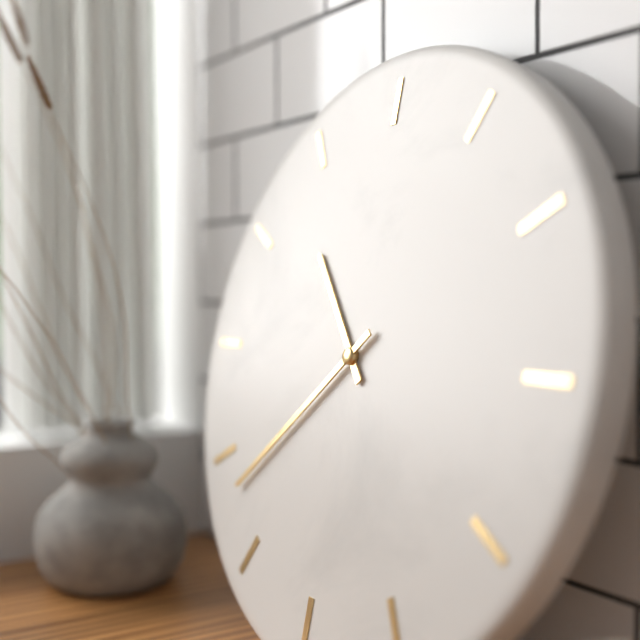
**10:38**
